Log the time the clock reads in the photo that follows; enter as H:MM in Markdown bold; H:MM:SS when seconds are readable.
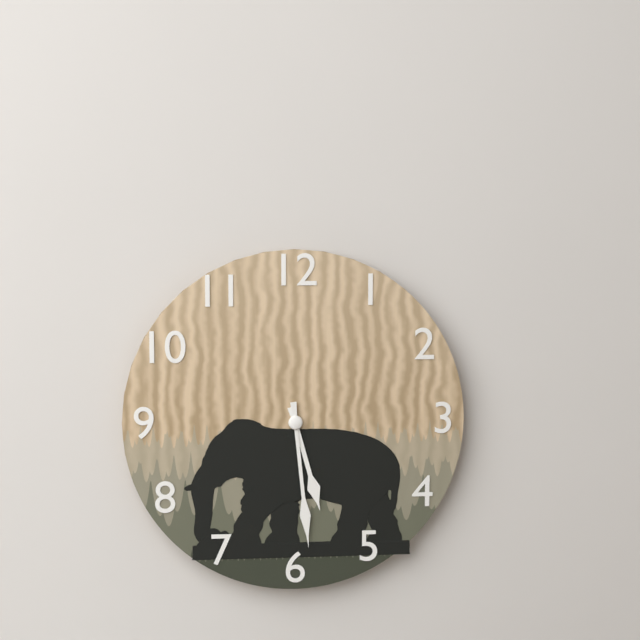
**5:29**
